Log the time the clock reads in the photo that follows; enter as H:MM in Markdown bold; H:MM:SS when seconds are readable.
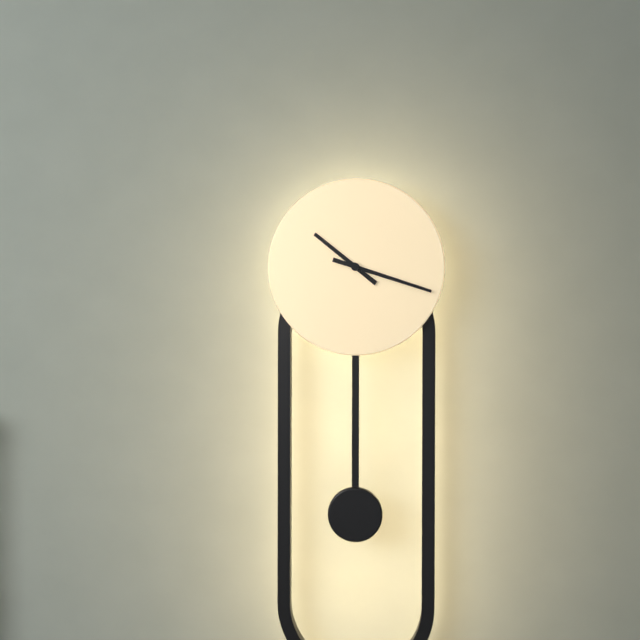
**10:18**
